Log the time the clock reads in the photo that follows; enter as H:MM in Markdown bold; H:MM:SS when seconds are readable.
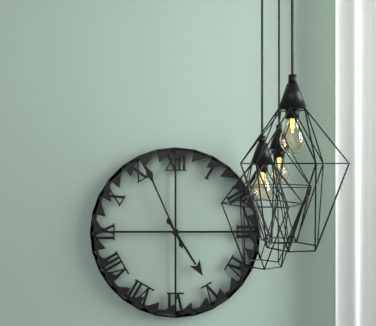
**4:56**
